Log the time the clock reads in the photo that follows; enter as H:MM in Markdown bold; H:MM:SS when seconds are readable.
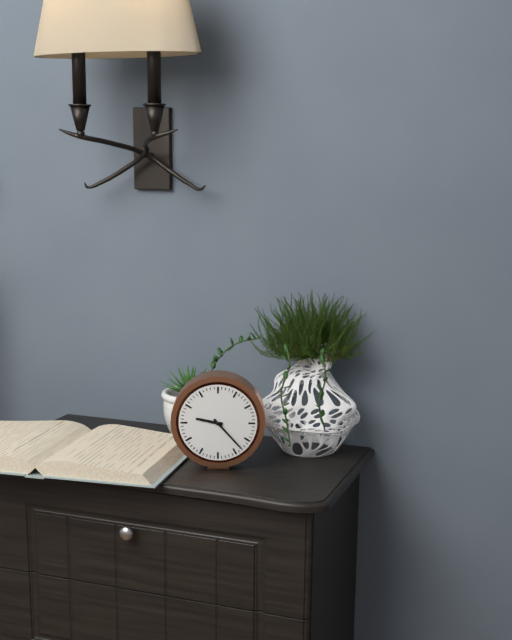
**9:23**
